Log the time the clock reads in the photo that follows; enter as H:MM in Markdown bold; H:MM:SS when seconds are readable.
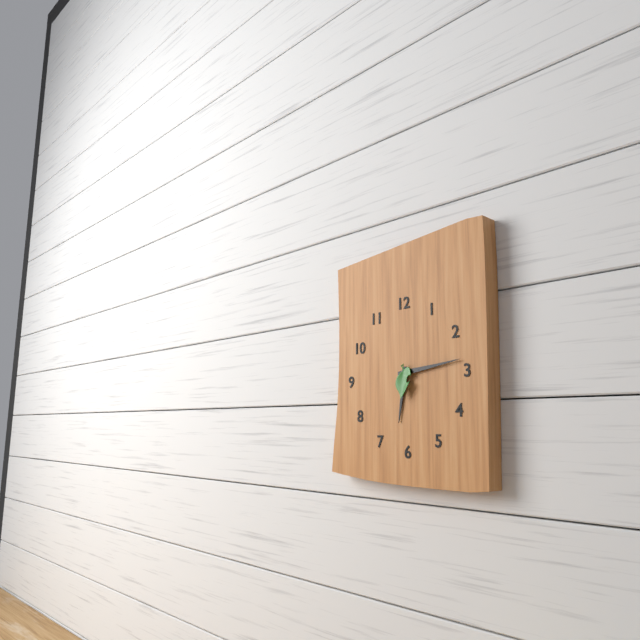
**6:14**
